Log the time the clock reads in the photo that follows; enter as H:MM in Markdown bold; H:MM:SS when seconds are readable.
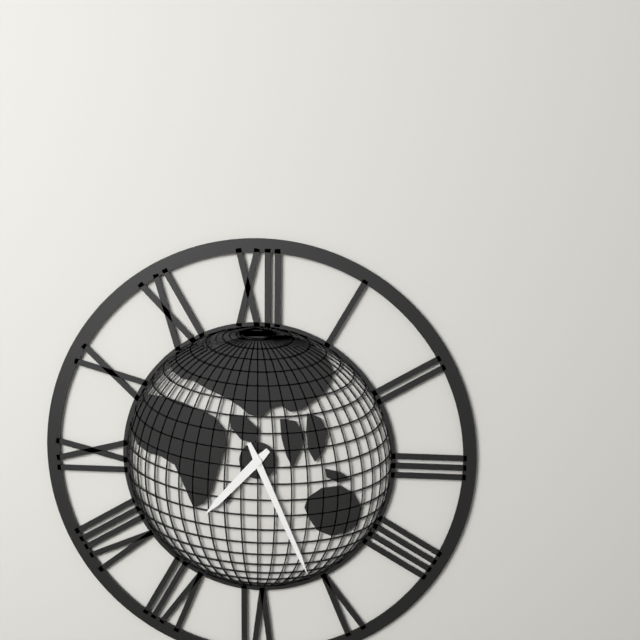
**7:26**
